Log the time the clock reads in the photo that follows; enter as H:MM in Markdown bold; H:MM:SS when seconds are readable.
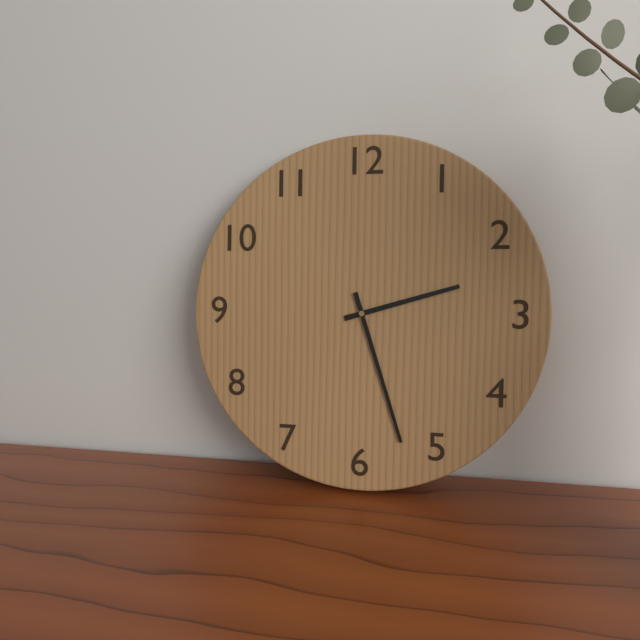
**2:27**
